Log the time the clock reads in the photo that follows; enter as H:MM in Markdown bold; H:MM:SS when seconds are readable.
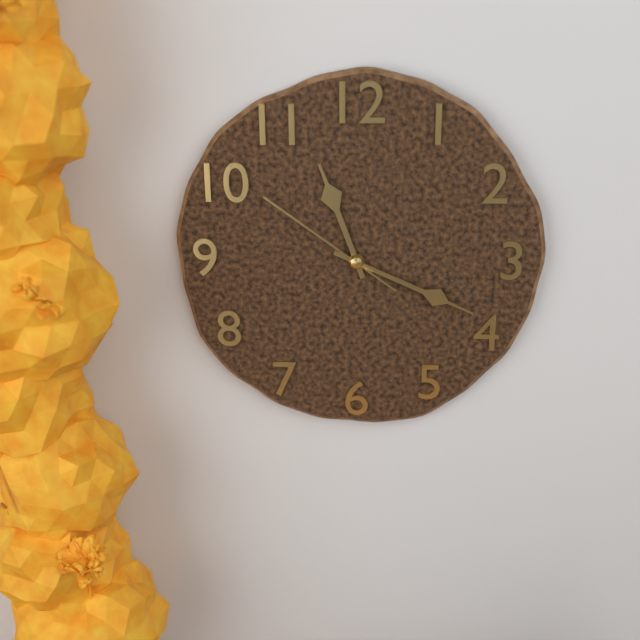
**11:19:51**
